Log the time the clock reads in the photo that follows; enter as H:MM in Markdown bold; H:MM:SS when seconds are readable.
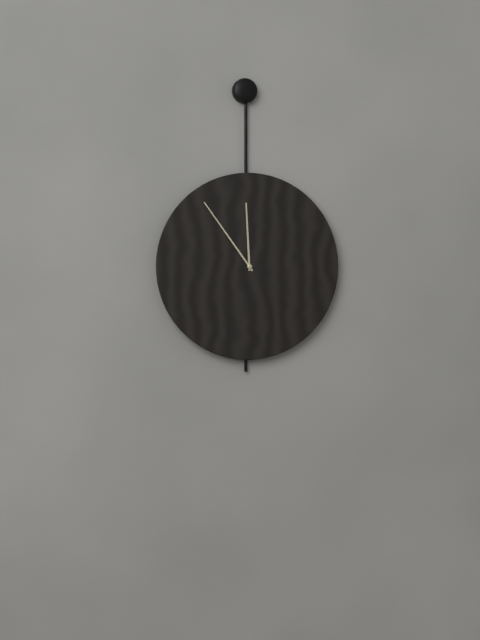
**11:54**
